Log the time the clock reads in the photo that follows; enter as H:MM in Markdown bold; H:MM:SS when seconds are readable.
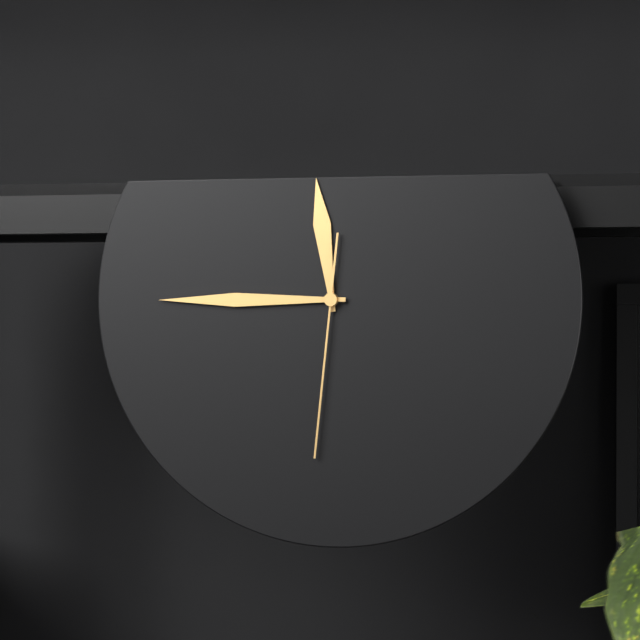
**11:45:31**
